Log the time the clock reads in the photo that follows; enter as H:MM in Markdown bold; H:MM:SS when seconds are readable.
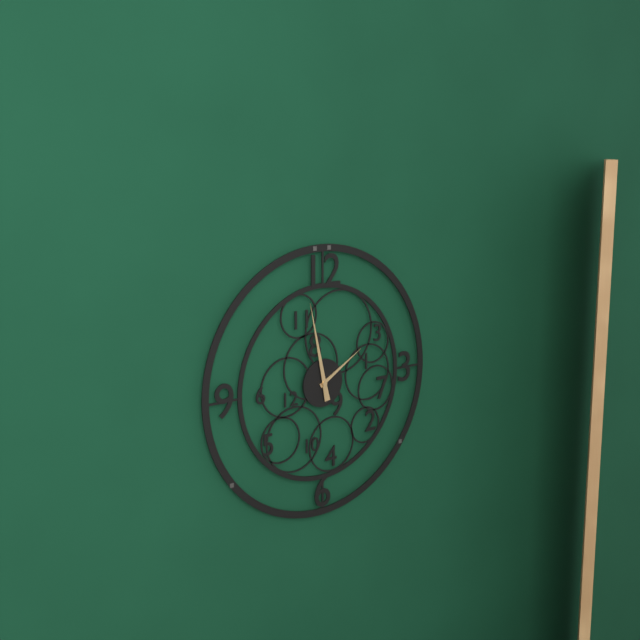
**1:58**
